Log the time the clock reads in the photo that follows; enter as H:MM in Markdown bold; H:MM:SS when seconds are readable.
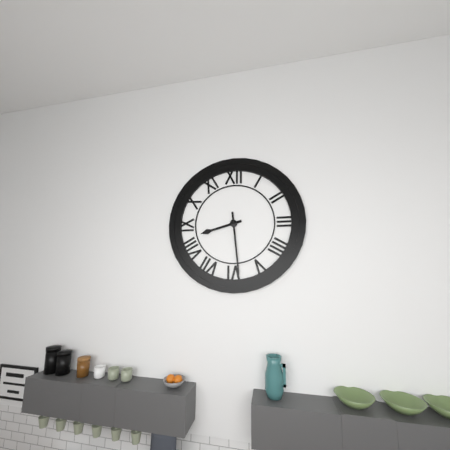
**8:29**
